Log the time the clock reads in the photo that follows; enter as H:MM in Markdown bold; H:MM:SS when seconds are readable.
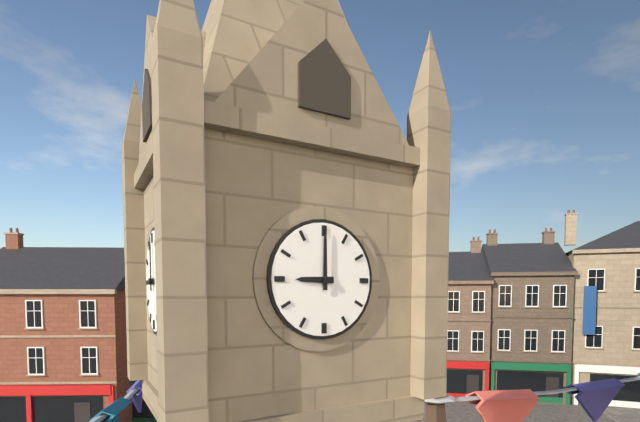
**9:00**
